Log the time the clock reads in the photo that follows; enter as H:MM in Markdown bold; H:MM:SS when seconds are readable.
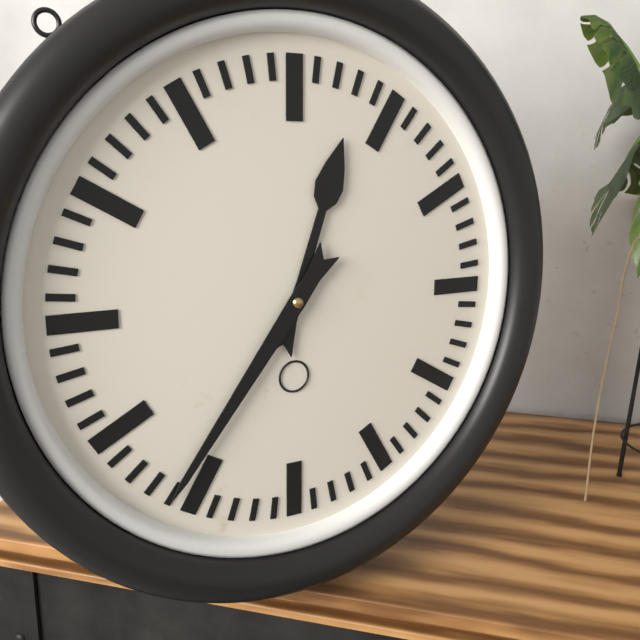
**12:36**
